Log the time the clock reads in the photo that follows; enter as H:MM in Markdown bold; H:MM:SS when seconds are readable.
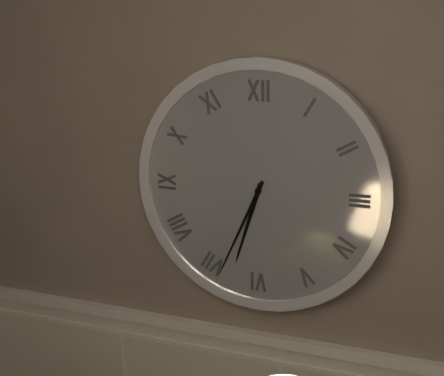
**6:34**
